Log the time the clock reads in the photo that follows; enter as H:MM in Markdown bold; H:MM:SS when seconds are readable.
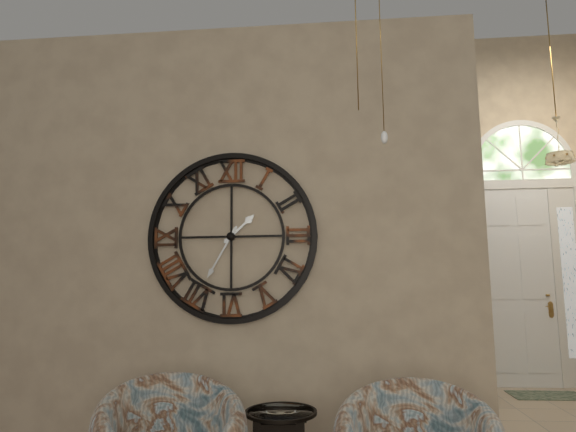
**1:35**
